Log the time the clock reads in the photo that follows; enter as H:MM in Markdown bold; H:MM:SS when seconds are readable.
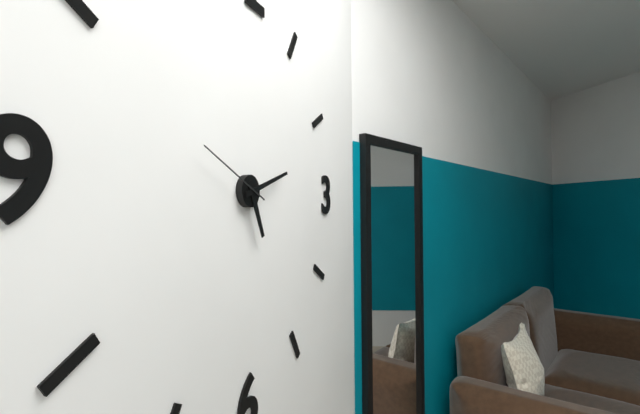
**5:12:49**
